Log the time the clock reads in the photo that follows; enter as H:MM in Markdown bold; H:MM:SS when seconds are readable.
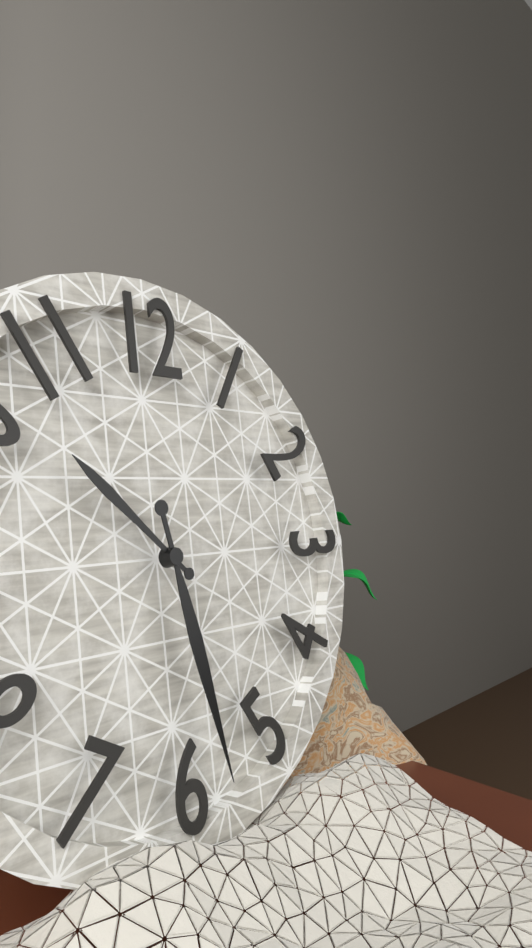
**10:28**
